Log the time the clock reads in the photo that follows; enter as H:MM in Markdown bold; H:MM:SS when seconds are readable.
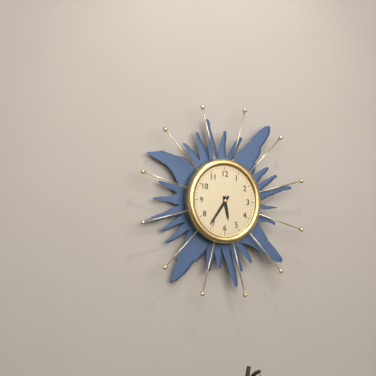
**5:36**
